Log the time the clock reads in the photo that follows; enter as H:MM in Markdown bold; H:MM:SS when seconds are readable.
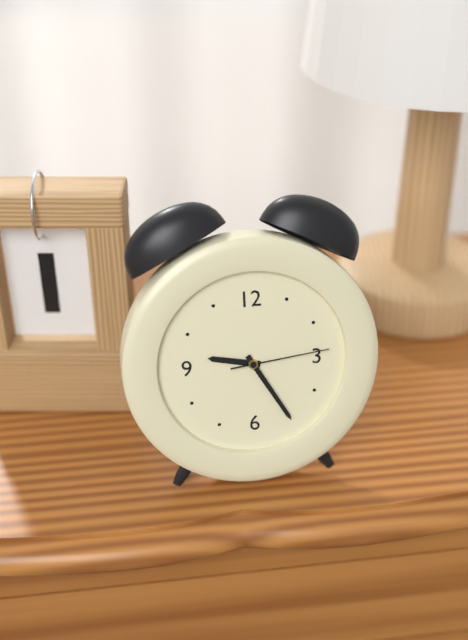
**9:25:14**
